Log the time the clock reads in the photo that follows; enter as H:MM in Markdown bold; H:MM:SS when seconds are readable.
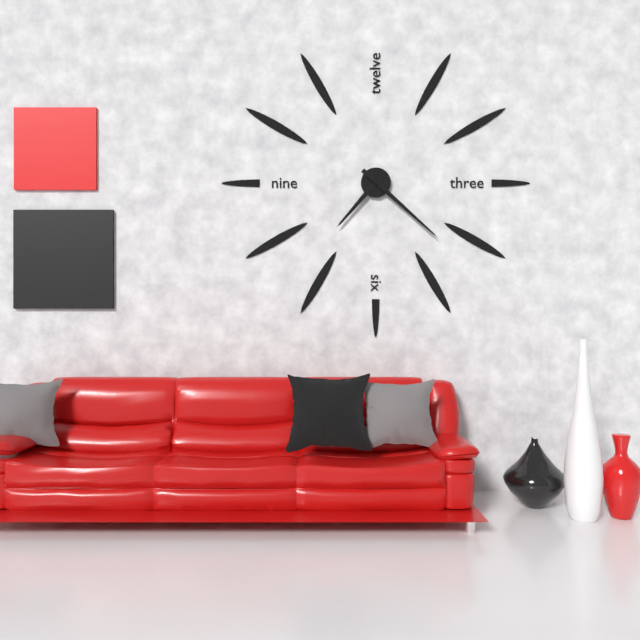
**7:22**
